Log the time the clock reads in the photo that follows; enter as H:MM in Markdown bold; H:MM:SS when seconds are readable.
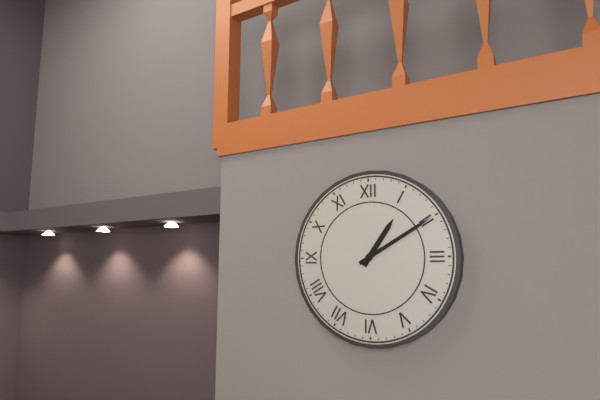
**1:10**
